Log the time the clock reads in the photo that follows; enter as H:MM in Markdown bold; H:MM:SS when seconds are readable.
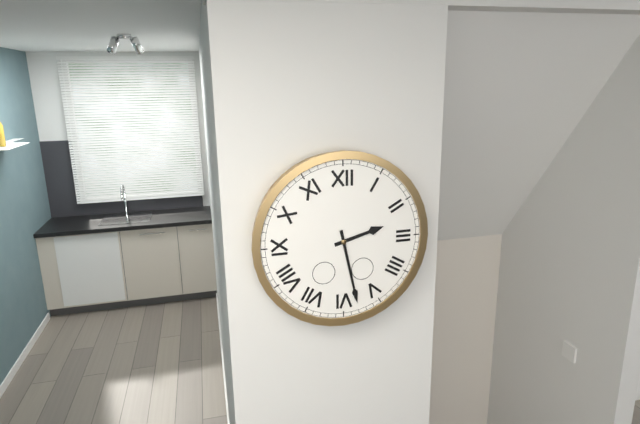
**2:28**
